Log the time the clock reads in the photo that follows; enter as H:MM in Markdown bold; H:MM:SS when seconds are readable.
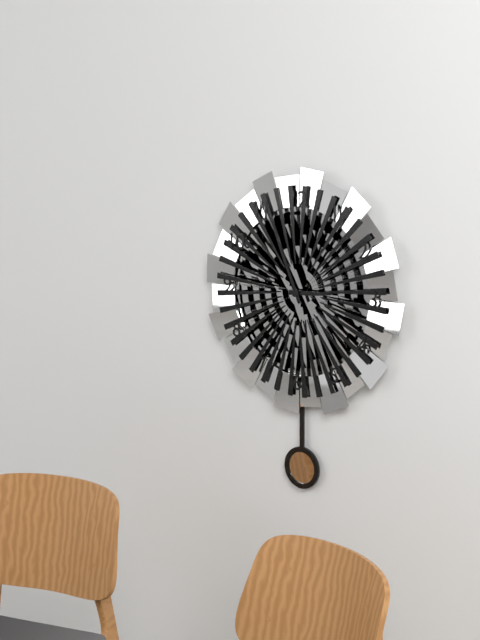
**2:56**
